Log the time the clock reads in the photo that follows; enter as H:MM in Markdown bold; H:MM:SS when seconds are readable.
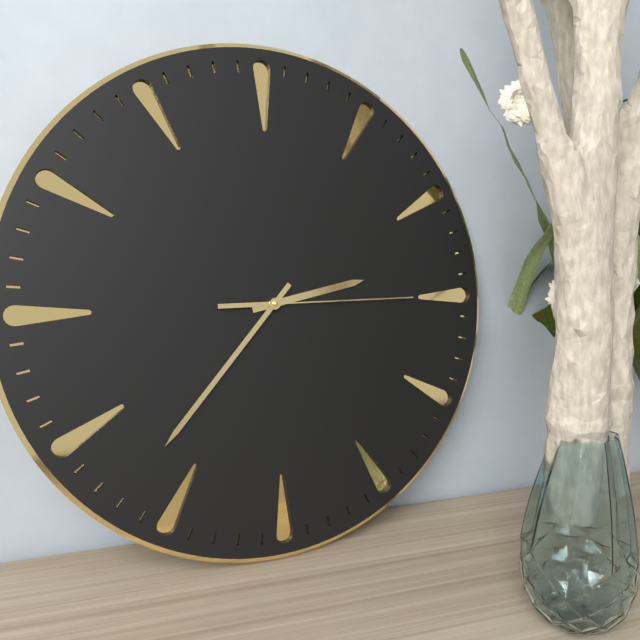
**2:37:15**
